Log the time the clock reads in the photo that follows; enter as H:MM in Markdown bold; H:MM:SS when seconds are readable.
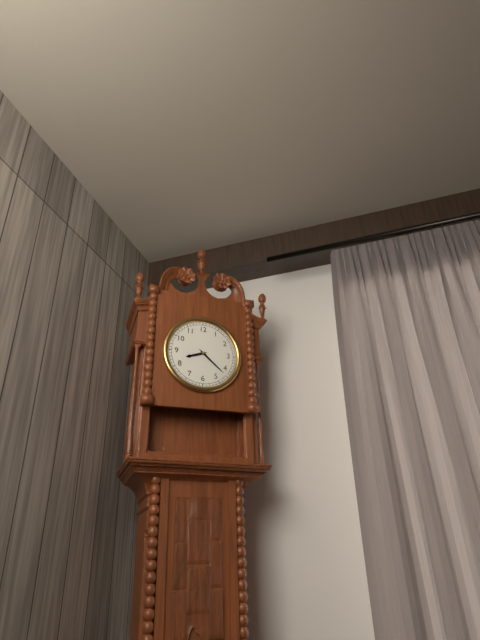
**8:22**
